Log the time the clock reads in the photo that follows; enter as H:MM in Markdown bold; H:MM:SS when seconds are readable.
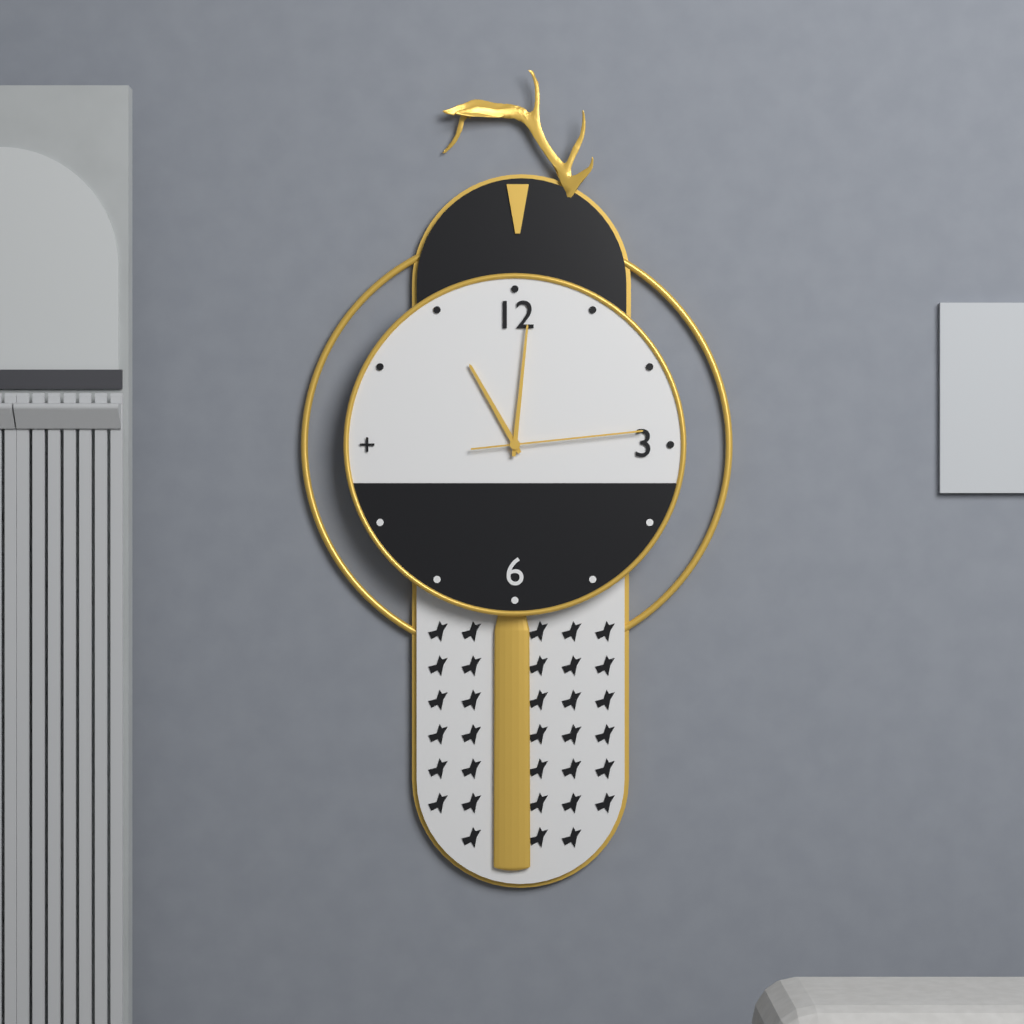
**11:01:14**
